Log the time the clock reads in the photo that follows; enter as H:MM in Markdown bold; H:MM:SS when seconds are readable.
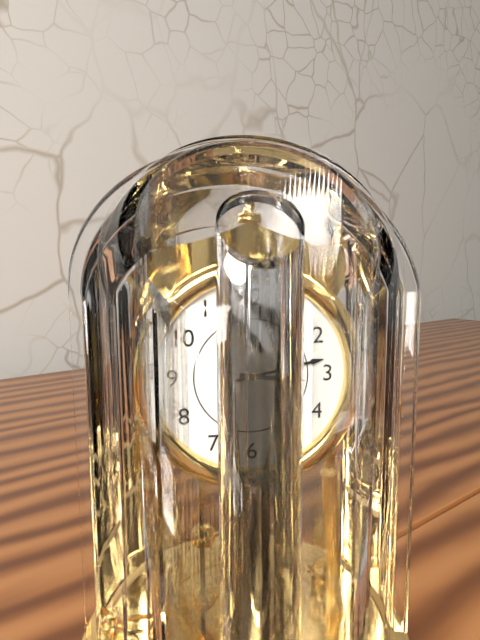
**3:13**
